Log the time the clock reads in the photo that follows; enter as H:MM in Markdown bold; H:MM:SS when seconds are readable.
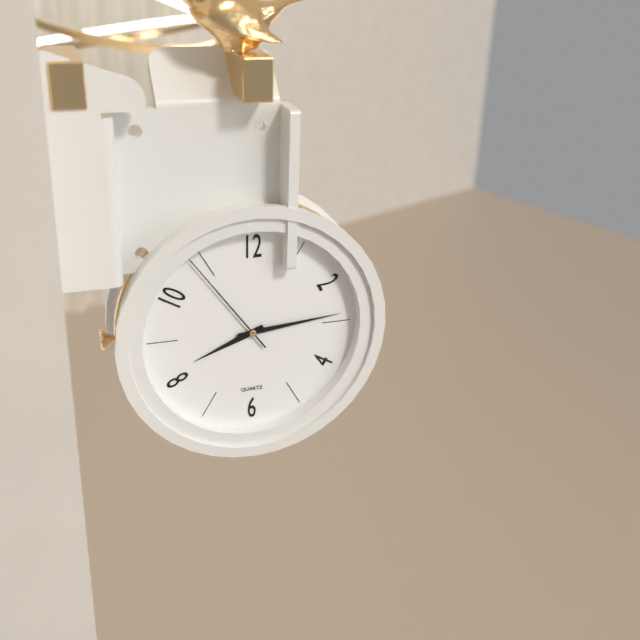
**8:14:54**
